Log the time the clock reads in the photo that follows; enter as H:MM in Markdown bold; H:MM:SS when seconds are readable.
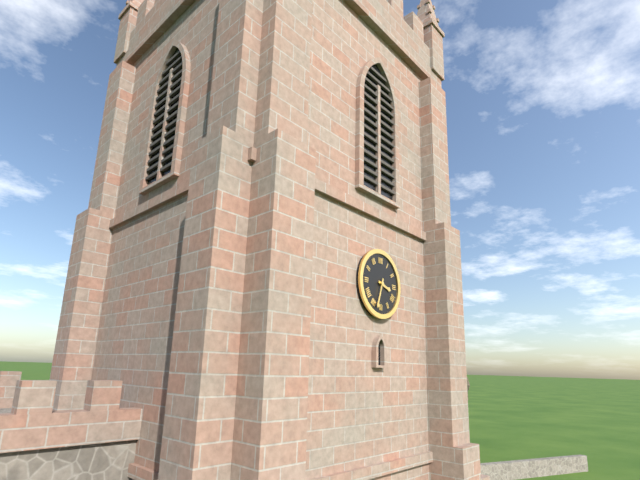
**3:33**
